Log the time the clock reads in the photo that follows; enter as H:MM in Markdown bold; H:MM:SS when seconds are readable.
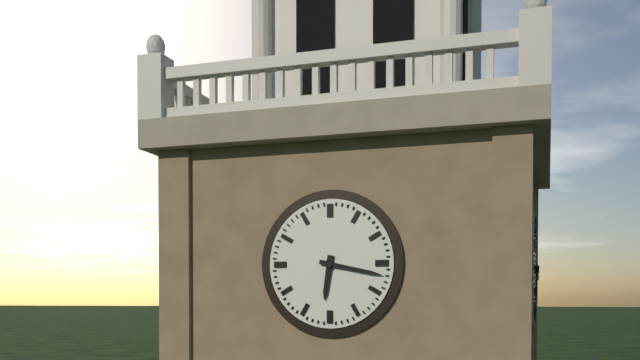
**6:17**
